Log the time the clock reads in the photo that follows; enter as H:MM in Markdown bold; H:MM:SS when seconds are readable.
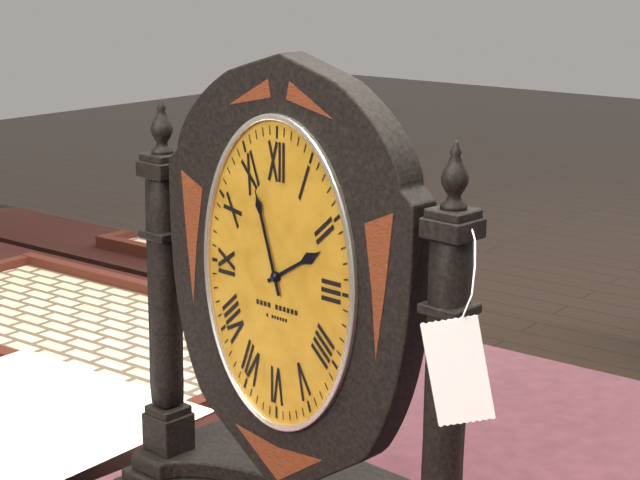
**1:57**
